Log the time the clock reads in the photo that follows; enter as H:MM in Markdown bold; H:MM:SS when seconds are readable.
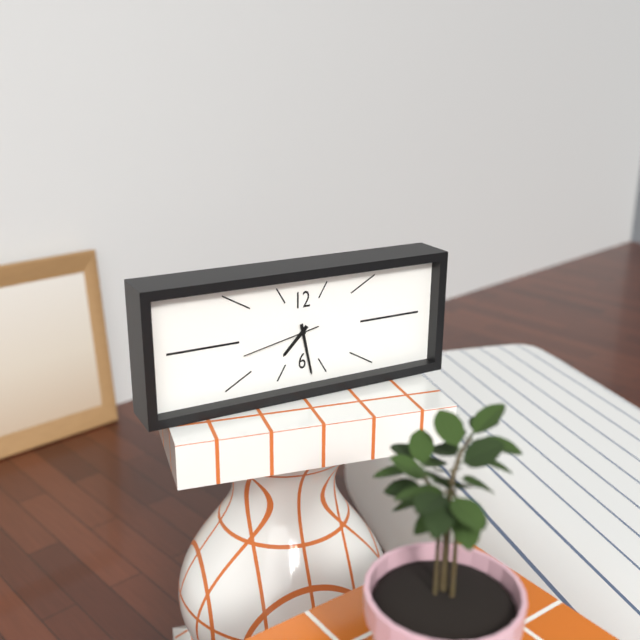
**7:28:43**
